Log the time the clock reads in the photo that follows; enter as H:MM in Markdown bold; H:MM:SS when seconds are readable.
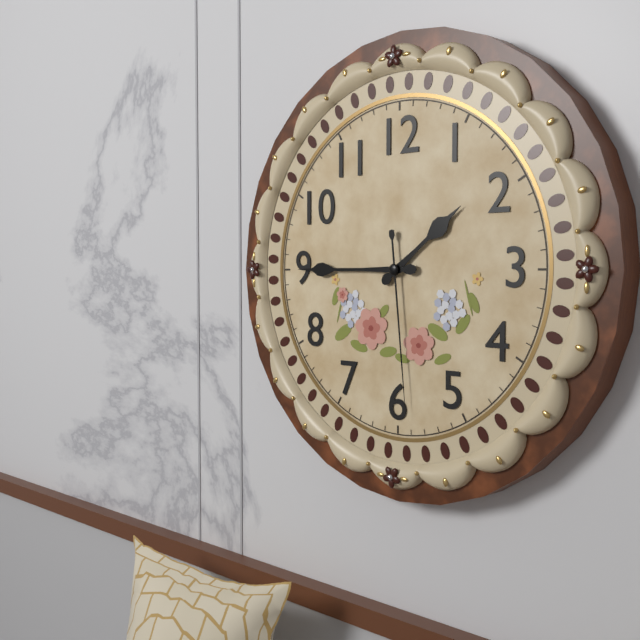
**1:45:29**
